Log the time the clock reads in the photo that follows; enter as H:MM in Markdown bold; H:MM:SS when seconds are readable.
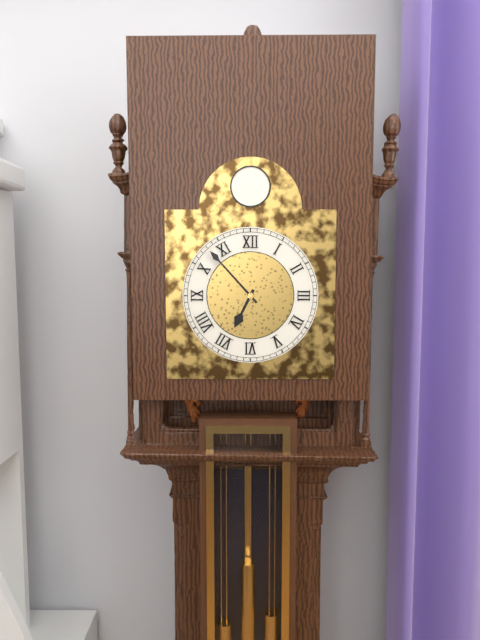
**6:53**
